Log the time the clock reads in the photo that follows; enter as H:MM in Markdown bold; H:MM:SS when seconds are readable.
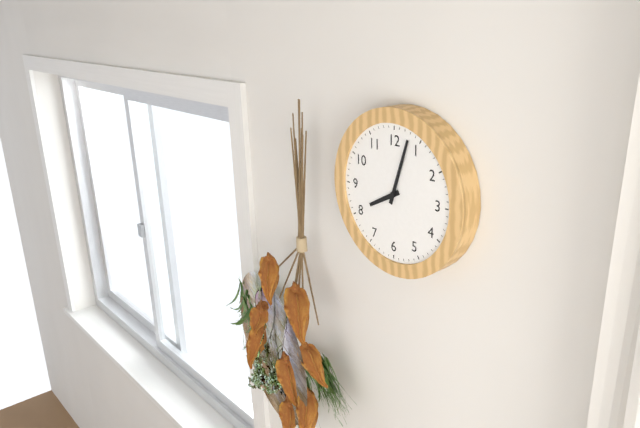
**8:03**
